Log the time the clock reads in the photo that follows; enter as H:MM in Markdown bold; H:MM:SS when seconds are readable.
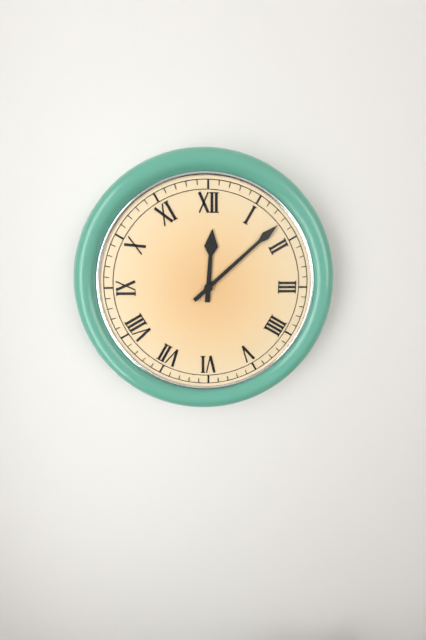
**12:08**
